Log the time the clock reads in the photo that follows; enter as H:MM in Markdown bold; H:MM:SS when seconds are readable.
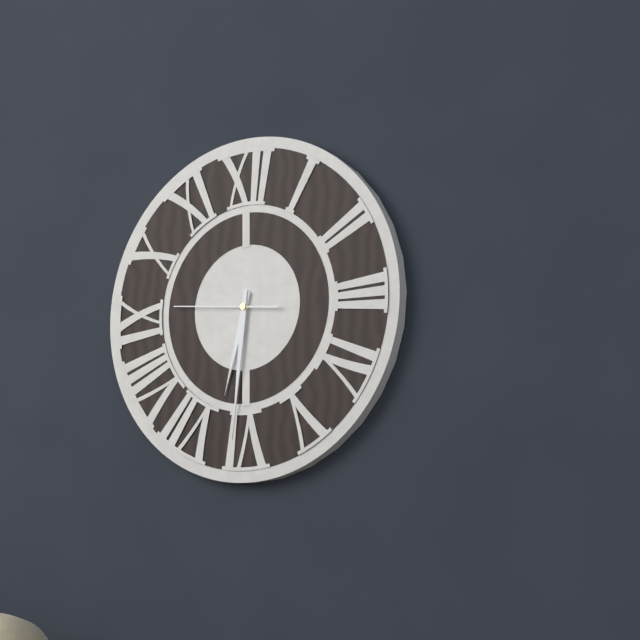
**6:31:46**
